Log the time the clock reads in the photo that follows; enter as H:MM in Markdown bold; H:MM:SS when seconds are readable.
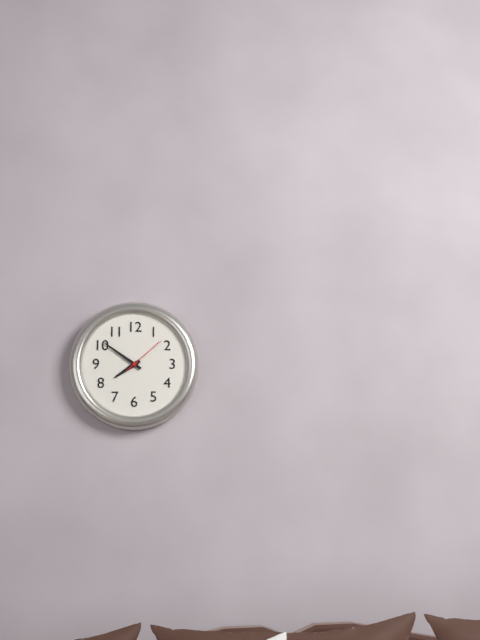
**7:51**
